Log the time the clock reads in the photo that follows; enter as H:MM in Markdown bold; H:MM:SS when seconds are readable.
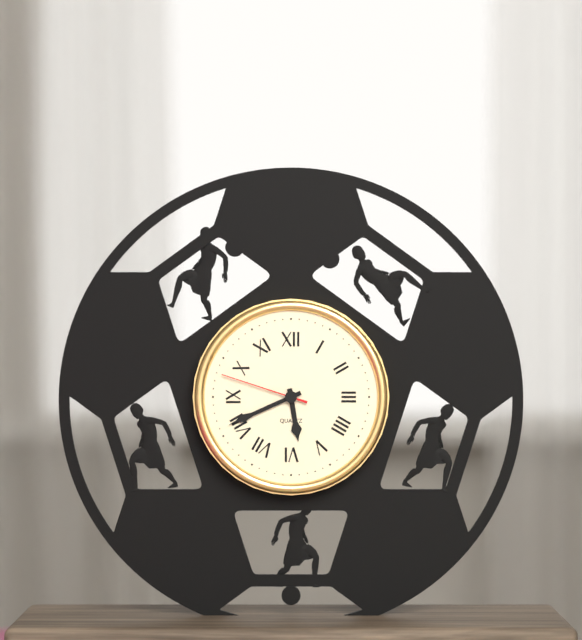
**5:41:48**
